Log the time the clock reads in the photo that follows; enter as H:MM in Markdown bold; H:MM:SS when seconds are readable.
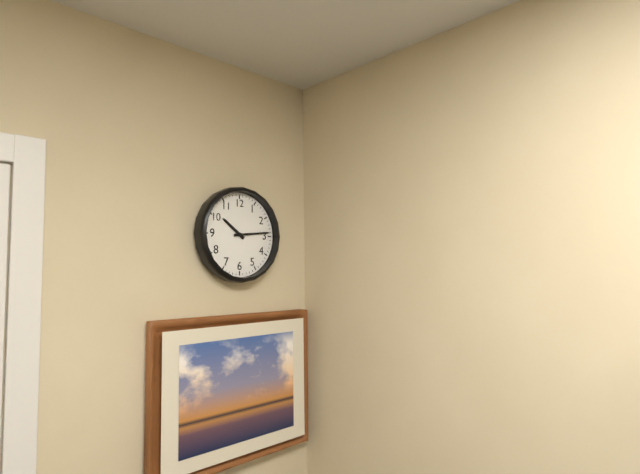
**10:14**
